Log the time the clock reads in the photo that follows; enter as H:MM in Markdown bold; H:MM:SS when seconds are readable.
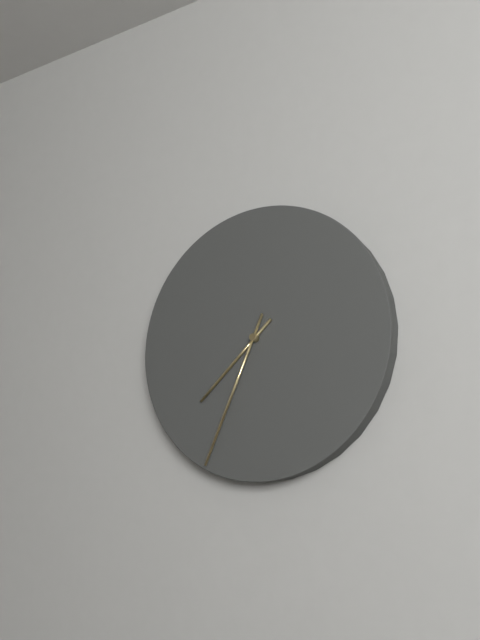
**7:34**
